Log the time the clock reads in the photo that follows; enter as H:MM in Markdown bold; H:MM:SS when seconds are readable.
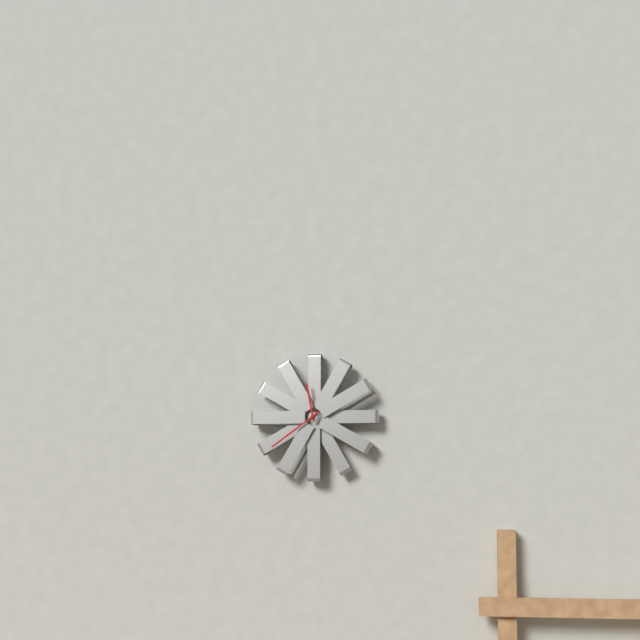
**11:39**
